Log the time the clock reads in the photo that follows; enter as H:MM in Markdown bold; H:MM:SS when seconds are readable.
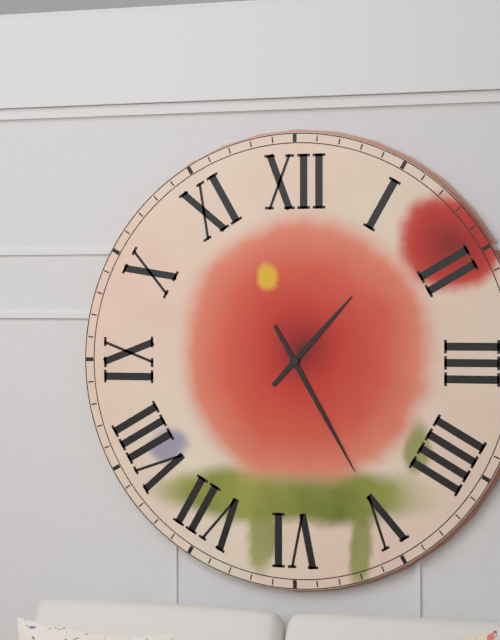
**1:25**
